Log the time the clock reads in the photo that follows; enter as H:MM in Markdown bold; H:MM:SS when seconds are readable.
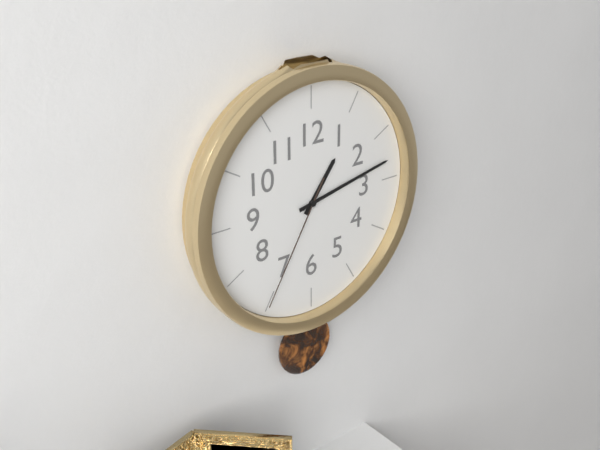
**1:13:35**
